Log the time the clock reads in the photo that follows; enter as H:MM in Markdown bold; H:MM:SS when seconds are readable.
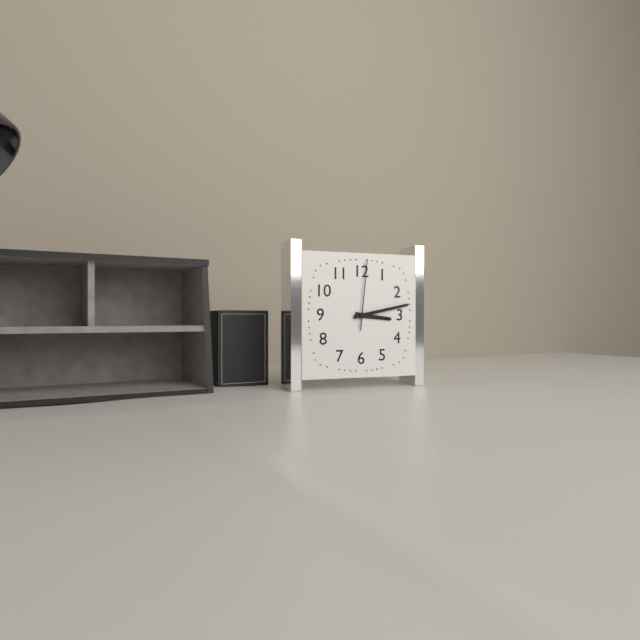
**3:13:01**
